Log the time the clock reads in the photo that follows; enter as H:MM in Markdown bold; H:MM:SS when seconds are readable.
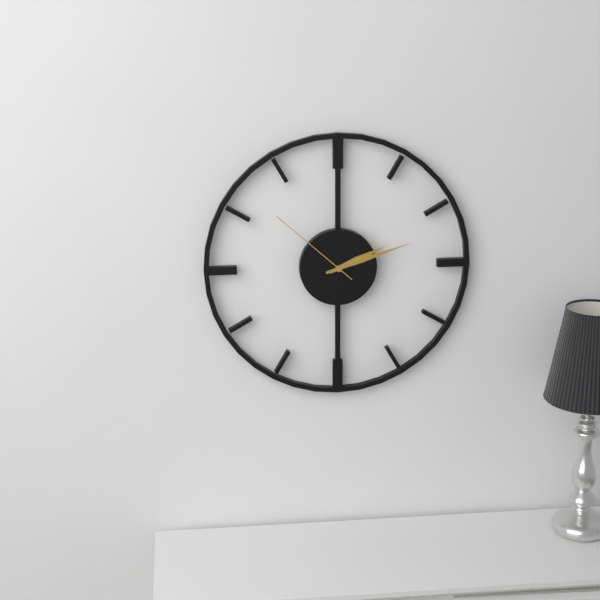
**2:12:52**
